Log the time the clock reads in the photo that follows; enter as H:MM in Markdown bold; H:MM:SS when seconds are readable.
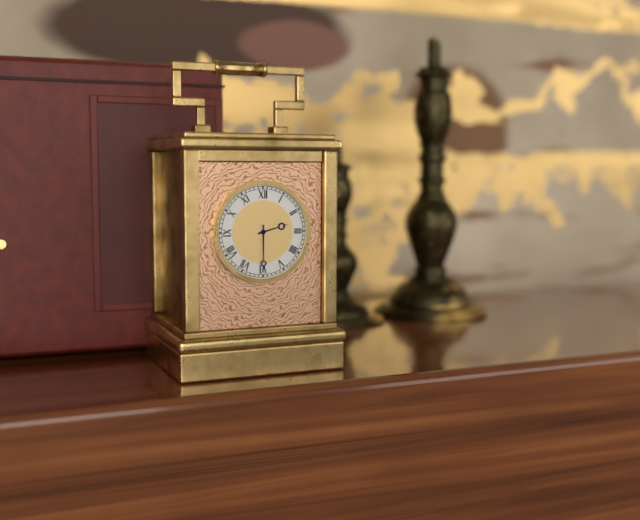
**2:30**
